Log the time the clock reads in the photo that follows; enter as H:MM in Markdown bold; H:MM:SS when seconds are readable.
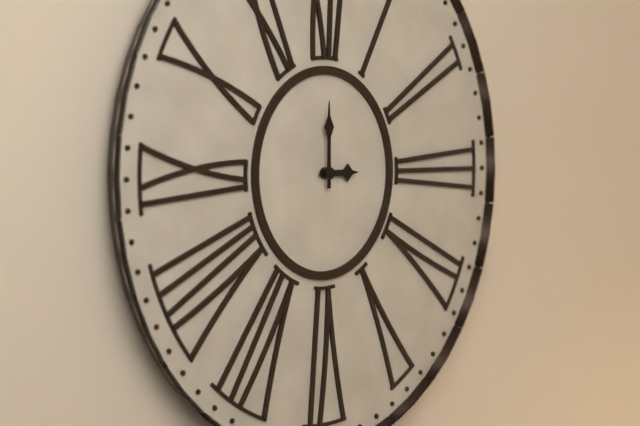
**3:00**
